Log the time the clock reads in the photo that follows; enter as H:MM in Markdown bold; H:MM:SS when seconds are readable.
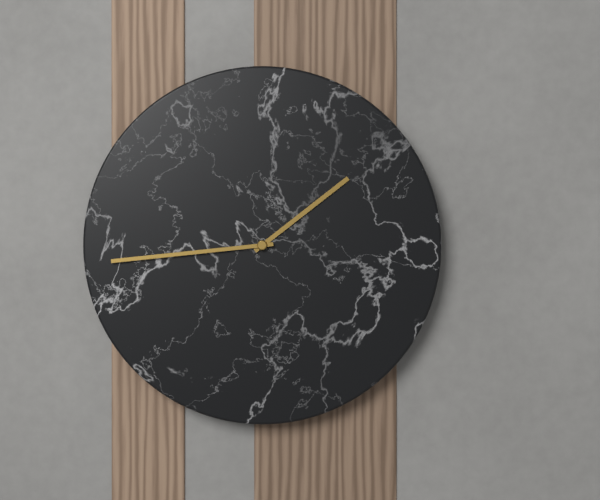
**1:44**
